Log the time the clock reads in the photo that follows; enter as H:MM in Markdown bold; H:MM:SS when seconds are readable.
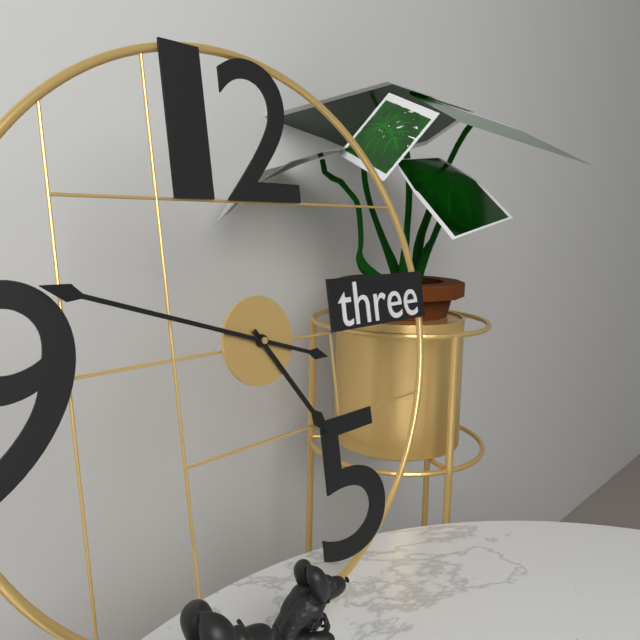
**4:48**
